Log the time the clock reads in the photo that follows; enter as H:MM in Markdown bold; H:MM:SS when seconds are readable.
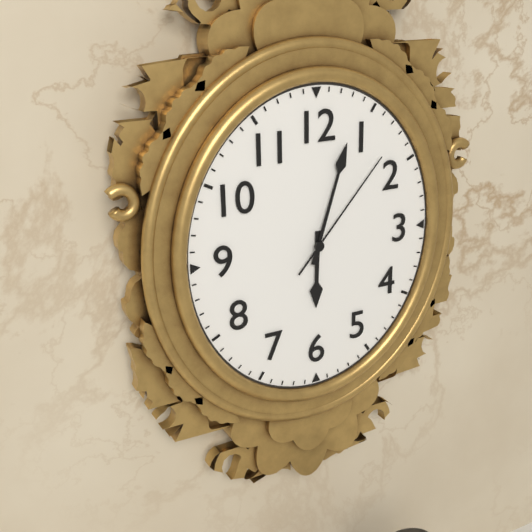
**6:03:07**
